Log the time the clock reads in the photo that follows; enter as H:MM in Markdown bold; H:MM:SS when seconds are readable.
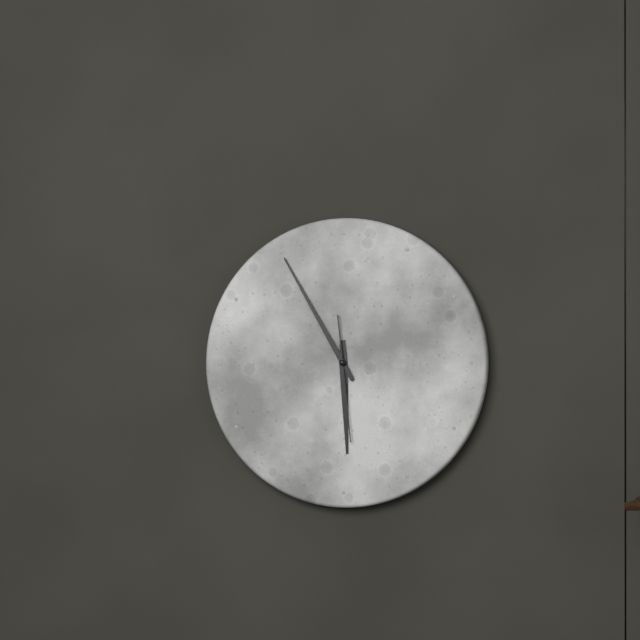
**5:55:29**
